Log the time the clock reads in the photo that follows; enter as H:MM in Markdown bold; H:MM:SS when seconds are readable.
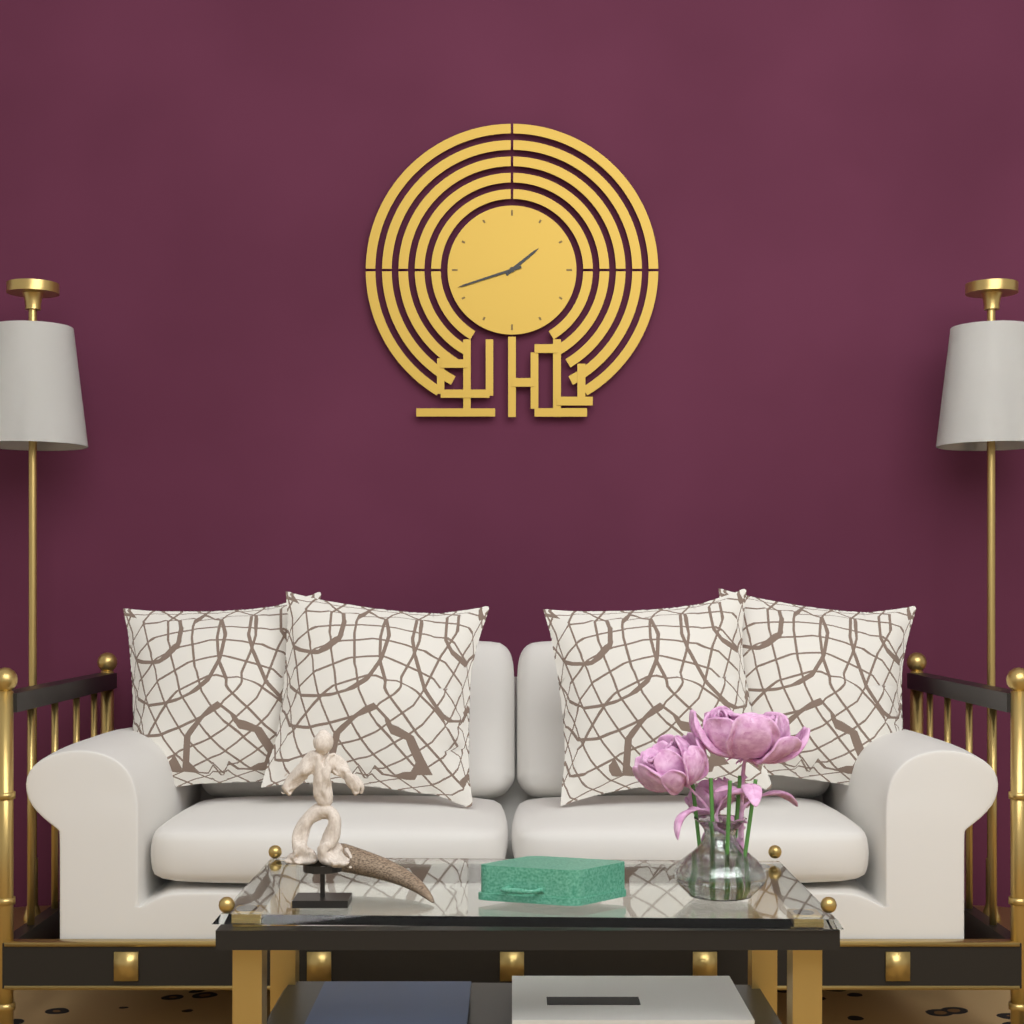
**1:42**
